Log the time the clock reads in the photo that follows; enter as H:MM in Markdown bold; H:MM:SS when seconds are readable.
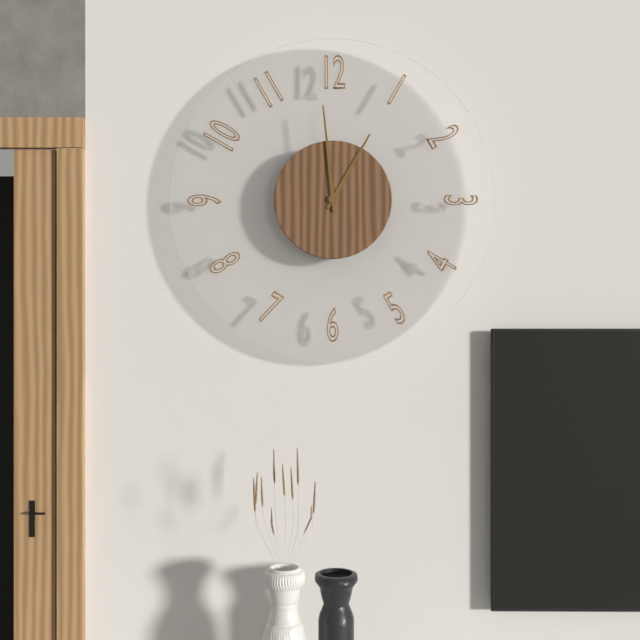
**12:59**
